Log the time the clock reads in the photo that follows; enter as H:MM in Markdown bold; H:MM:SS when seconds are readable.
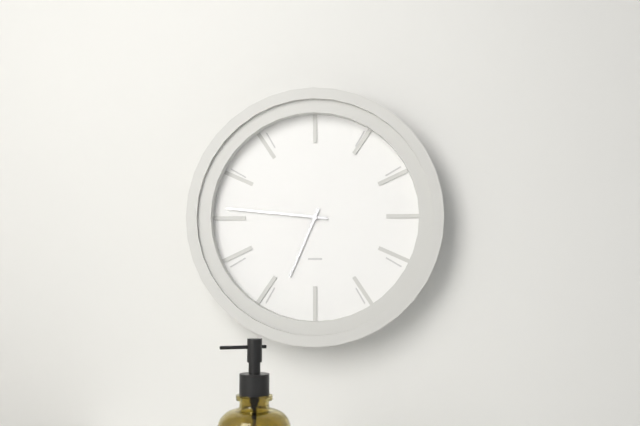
**6:46**
